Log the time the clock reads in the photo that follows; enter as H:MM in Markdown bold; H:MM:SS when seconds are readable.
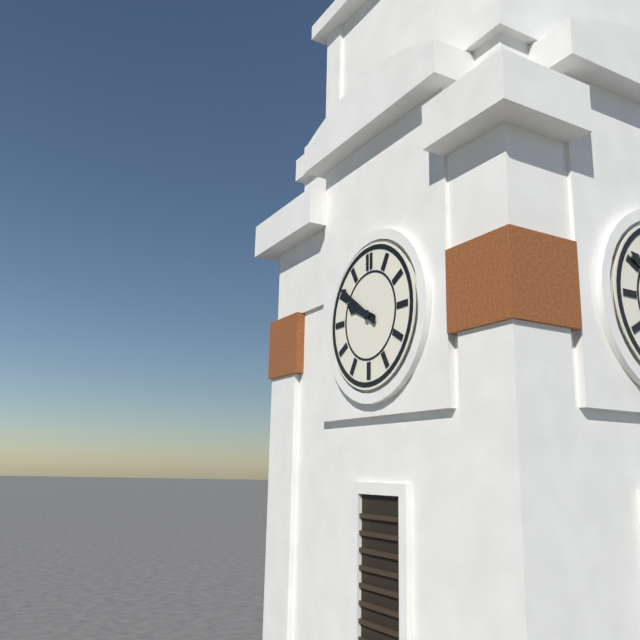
**9:51**
